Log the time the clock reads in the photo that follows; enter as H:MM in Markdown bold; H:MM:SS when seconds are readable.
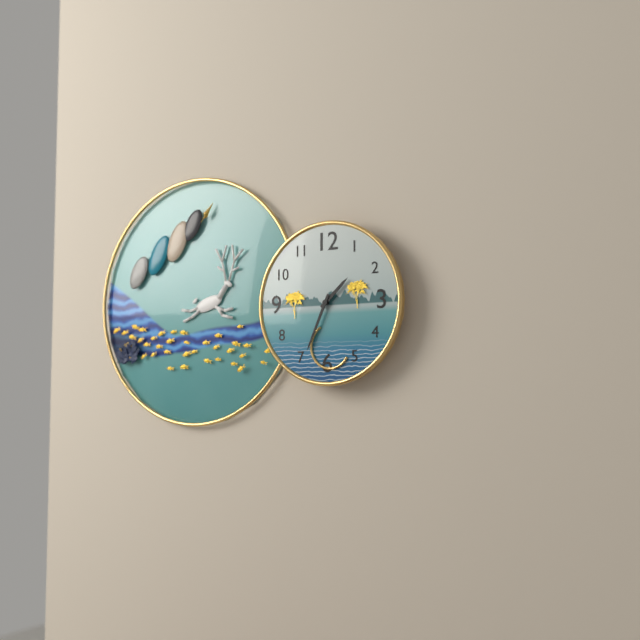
**1:34**
